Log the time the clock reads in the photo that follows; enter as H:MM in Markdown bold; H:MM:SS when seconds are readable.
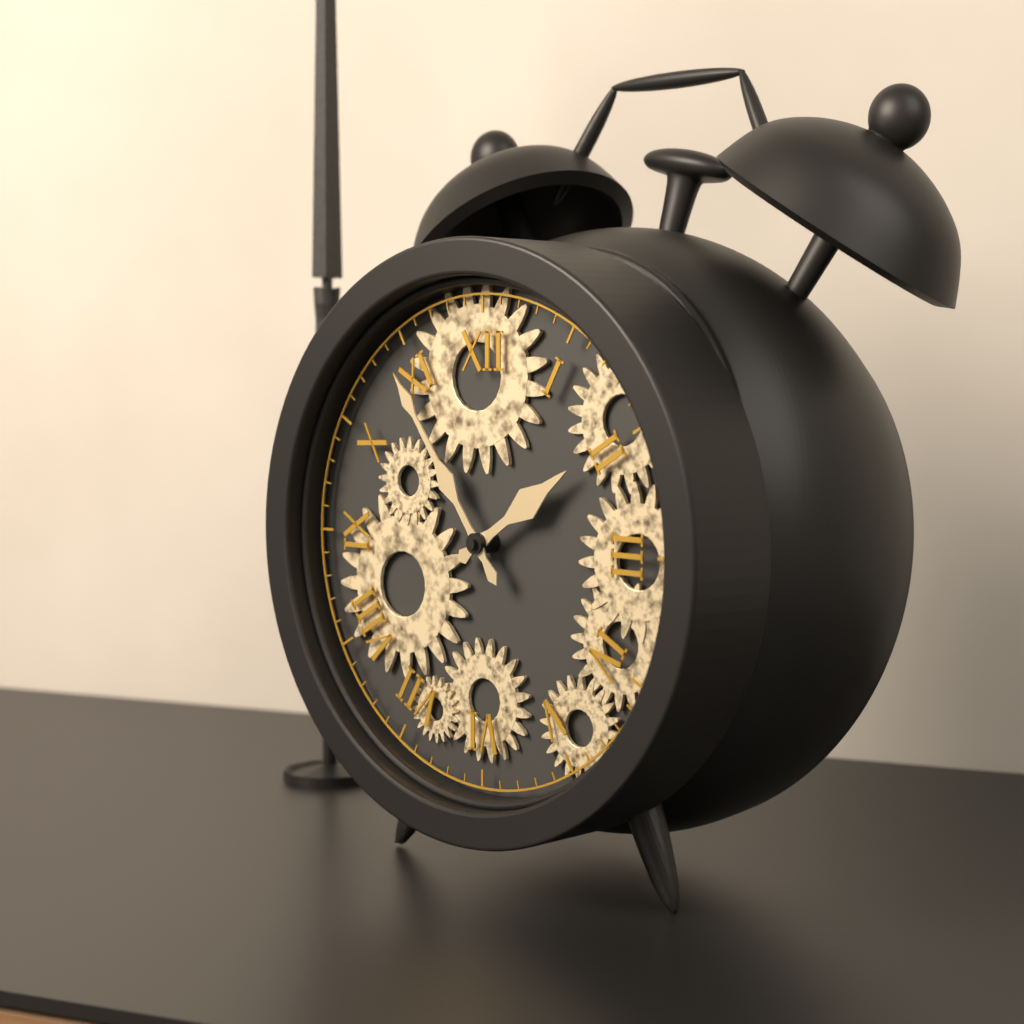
**1:54**
